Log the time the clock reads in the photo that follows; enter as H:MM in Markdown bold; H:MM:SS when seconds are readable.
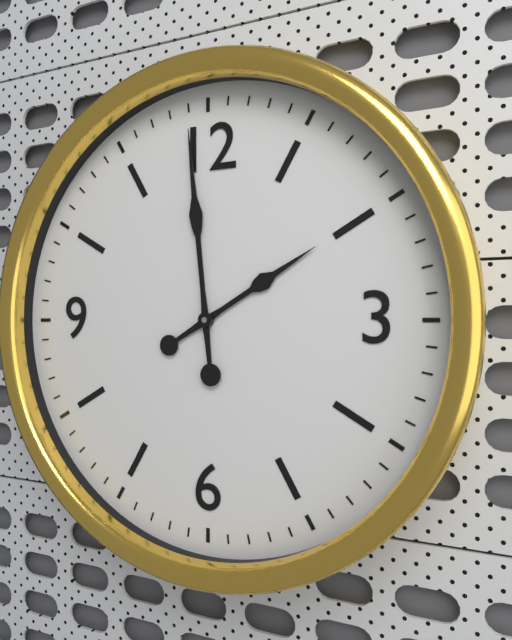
**1:59**
